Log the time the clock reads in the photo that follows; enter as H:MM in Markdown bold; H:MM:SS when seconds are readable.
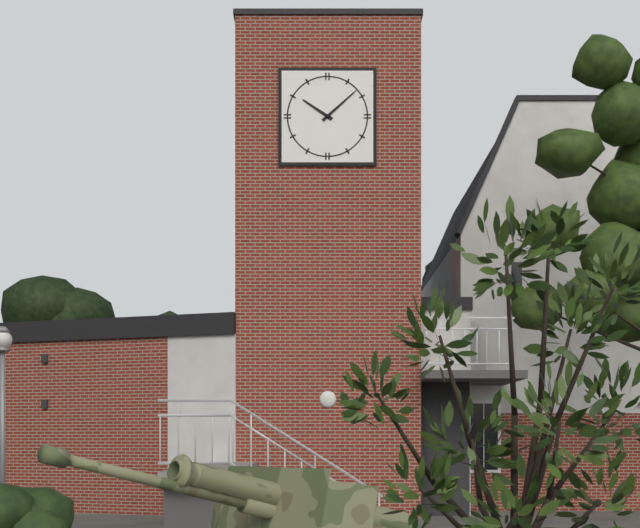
**10:08**
